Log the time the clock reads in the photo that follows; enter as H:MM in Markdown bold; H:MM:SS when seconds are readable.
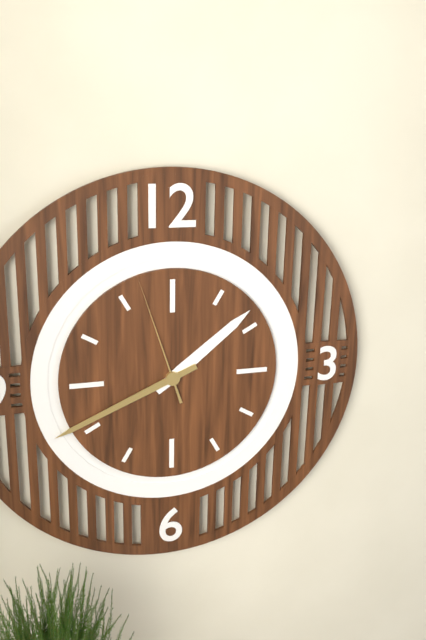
**1:41:57**
